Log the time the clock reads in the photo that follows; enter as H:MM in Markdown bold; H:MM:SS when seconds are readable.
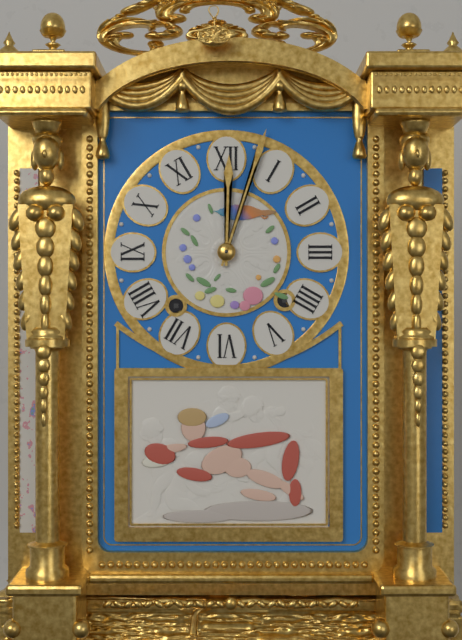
**12:03**
